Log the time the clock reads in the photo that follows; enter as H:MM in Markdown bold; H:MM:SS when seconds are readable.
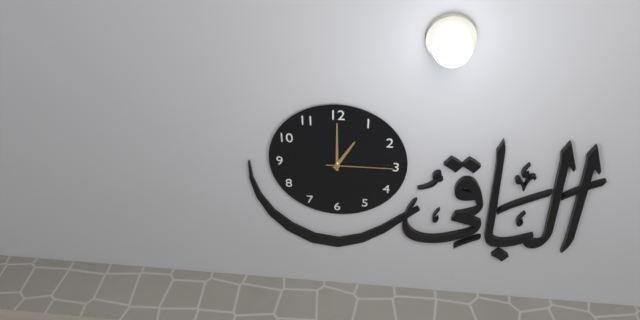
**1:00:15**
